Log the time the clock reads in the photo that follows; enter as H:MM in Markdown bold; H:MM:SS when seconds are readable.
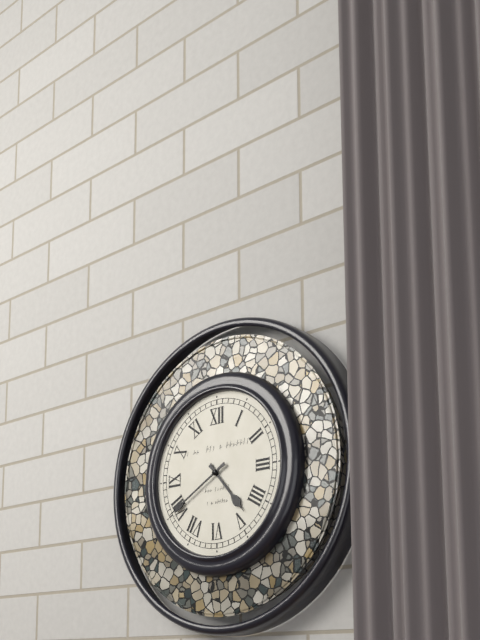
**4:40**
